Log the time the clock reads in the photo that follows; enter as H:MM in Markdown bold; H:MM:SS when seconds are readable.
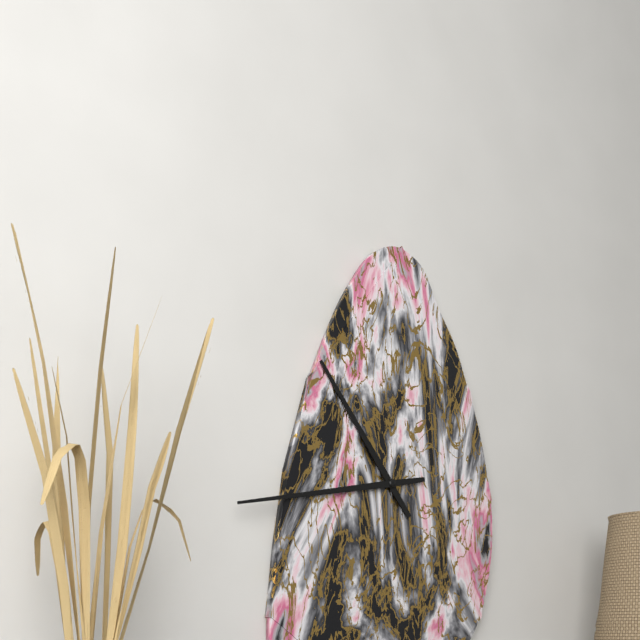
**10:43**
